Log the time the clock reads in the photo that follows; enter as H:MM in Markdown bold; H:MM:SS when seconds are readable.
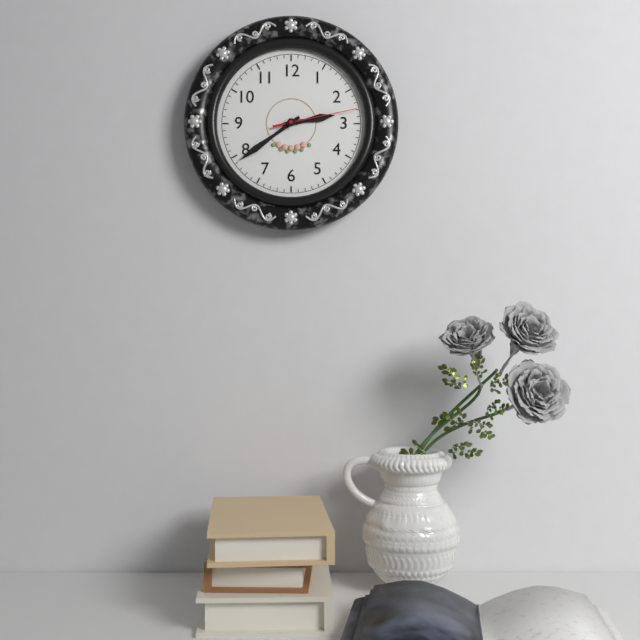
**2:39:13**
